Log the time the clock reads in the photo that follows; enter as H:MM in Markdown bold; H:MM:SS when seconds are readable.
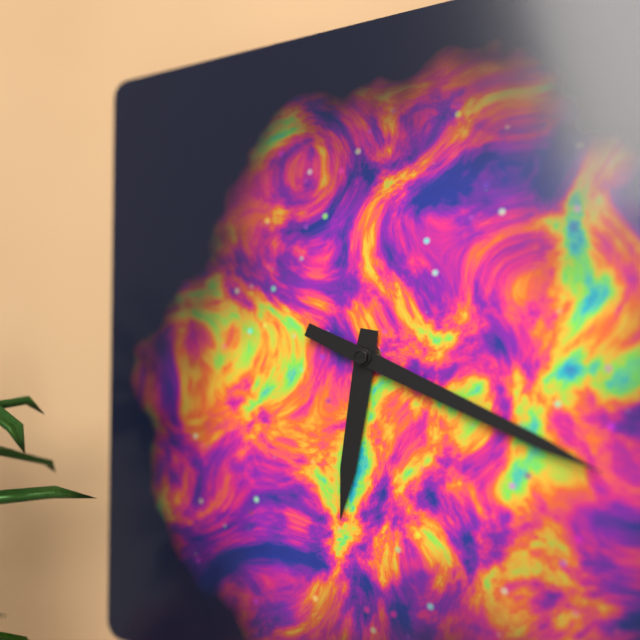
**6:19**
